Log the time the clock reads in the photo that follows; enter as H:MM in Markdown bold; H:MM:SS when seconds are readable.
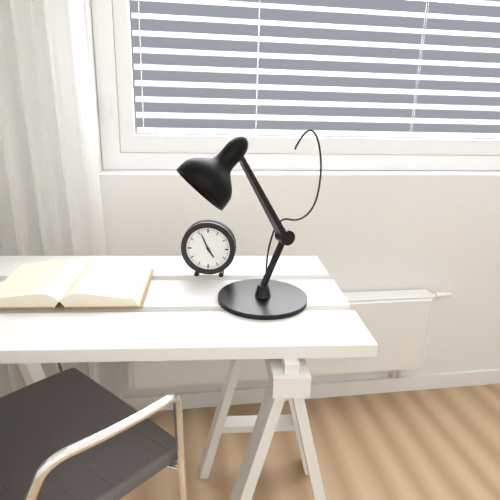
**4:56**
